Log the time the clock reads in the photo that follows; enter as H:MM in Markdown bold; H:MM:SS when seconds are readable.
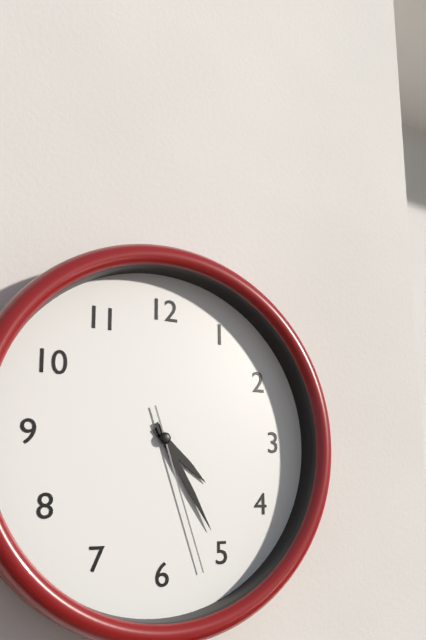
**4:25:27**
